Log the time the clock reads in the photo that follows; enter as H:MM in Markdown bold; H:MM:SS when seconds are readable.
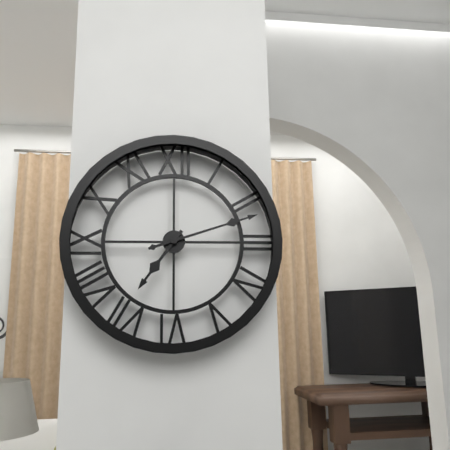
**7:12**
